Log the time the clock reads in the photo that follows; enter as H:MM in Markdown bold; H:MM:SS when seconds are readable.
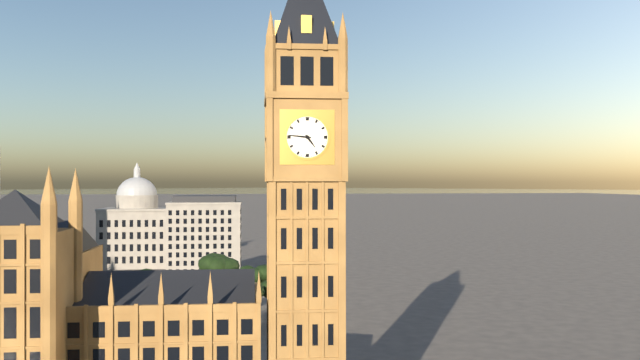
**4:46**
